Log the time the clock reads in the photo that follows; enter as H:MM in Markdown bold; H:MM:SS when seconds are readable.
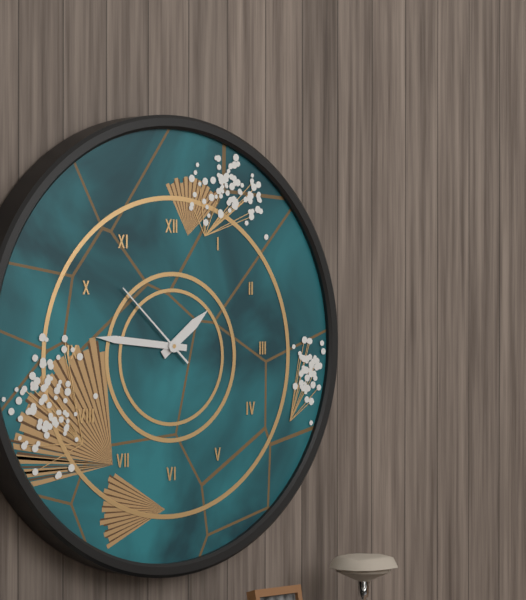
**1:46:52**
